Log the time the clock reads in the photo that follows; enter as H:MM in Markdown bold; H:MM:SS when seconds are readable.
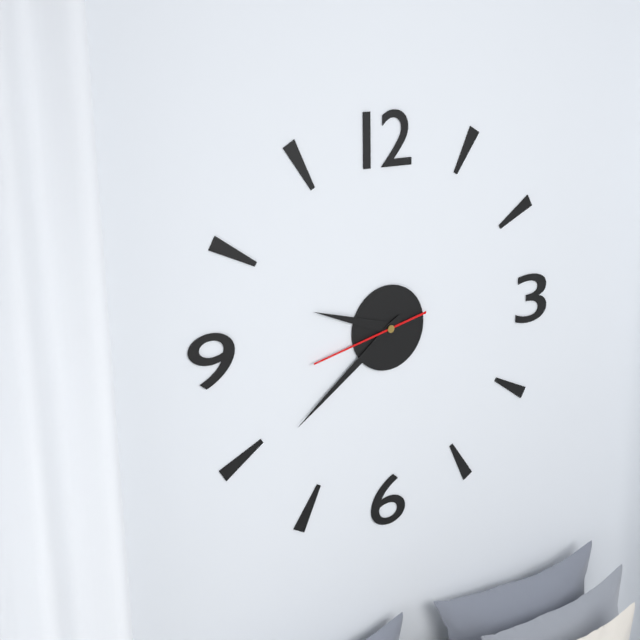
**9:39:43**
